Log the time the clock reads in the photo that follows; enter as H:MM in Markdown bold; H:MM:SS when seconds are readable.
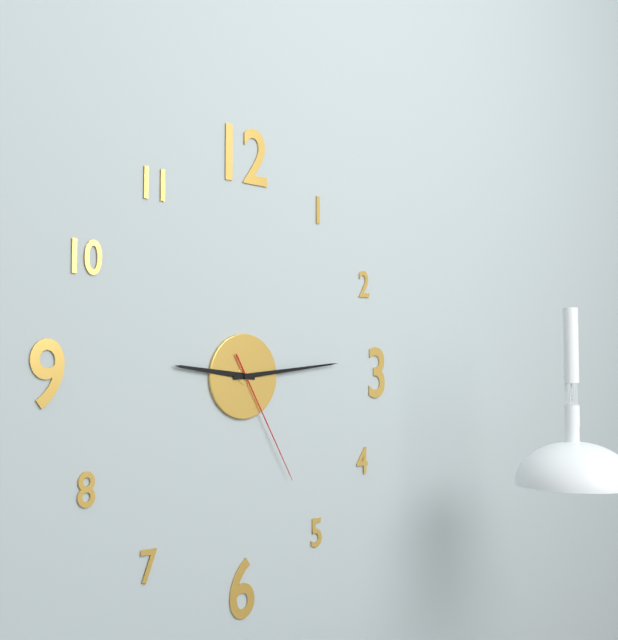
**9:14:25**
